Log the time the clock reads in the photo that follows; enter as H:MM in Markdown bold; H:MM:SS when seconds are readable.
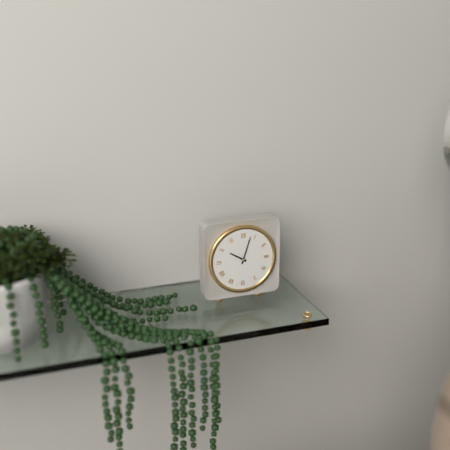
**10:03**
